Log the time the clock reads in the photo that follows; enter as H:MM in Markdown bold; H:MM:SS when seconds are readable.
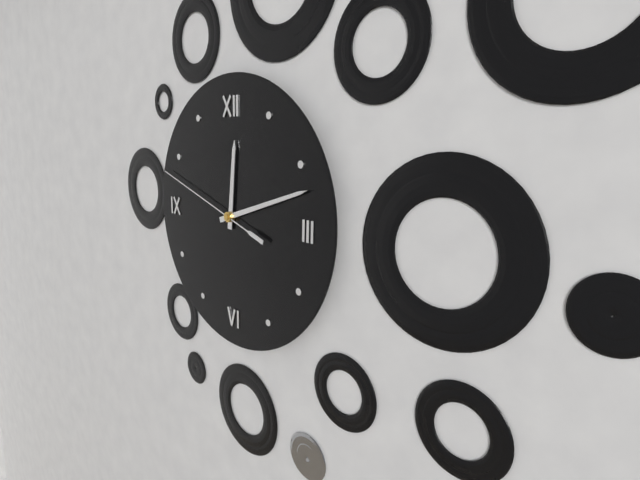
**12:12:48**
